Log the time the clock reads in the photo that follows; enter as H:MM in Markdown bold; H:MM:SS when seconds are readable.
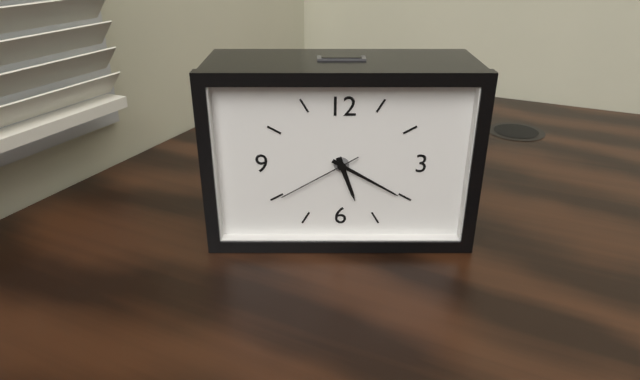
**5:20:40**
